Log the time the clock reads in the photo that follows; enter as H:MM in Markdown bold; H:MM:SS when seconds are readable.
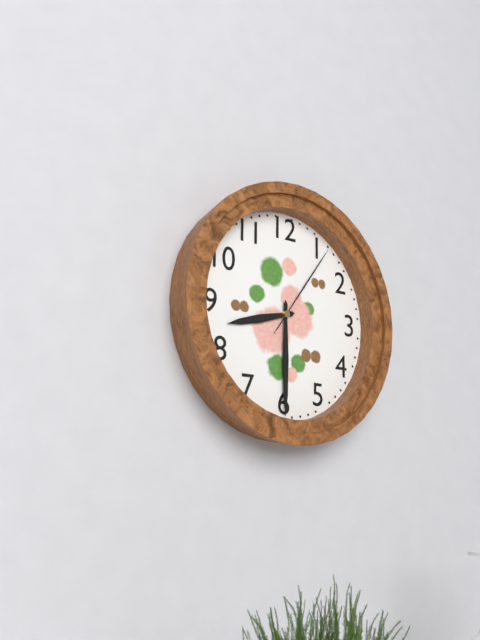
**8:30:06**
